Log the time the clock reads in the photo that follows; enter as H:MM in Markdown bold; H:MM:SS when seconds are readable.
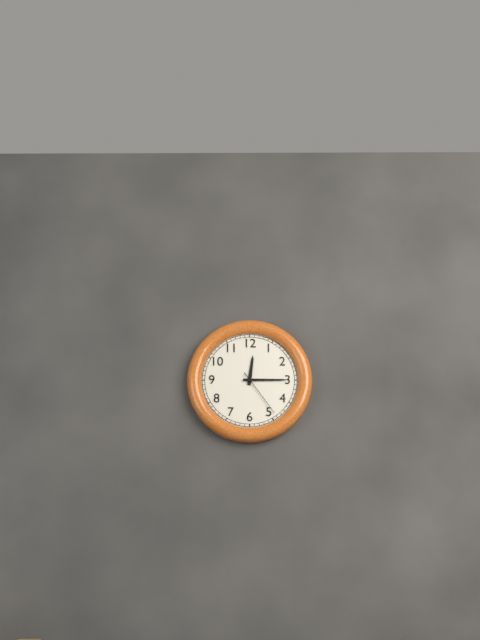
**12:15:24**
